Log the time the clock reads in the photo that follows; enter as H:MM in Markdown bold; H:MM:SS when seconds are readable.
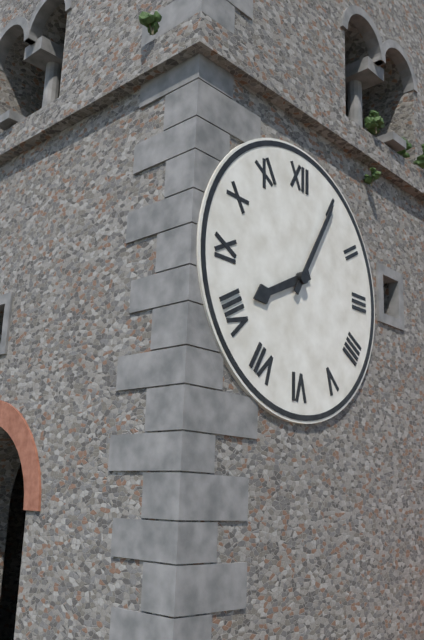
**8:05**
